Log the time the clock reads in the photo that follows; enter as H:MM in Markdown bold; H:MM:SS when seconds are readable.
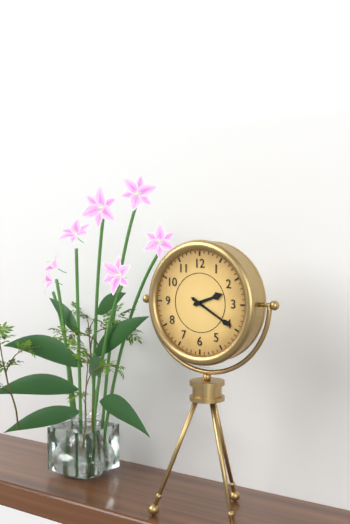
**2:20**
